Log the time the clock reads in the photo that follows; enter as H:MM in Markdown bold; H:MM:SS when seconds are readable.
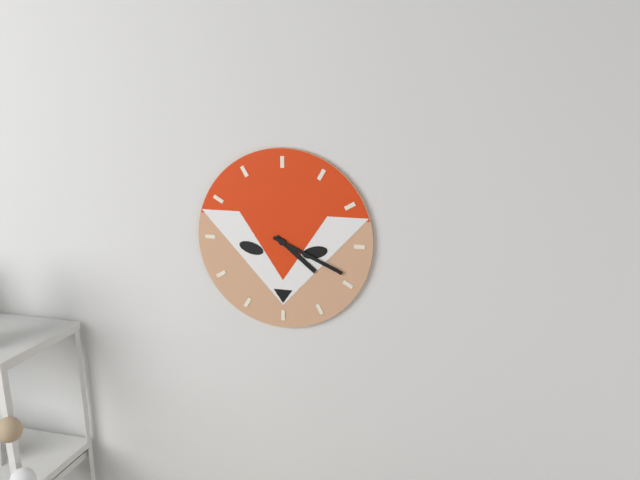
**4:19**
